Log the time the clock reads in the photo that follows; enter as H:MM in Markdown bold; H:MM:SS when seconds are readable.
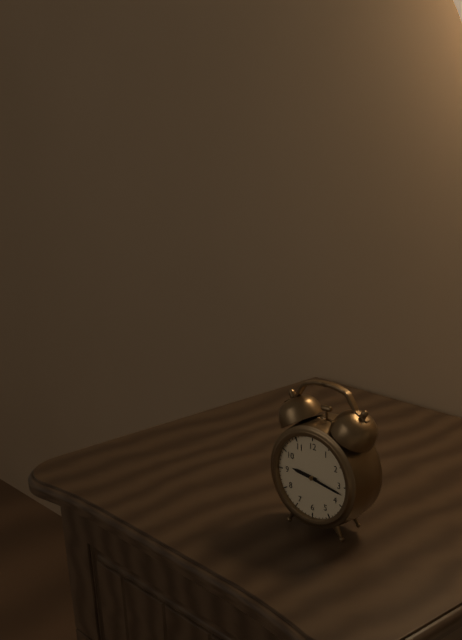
**9:17**
